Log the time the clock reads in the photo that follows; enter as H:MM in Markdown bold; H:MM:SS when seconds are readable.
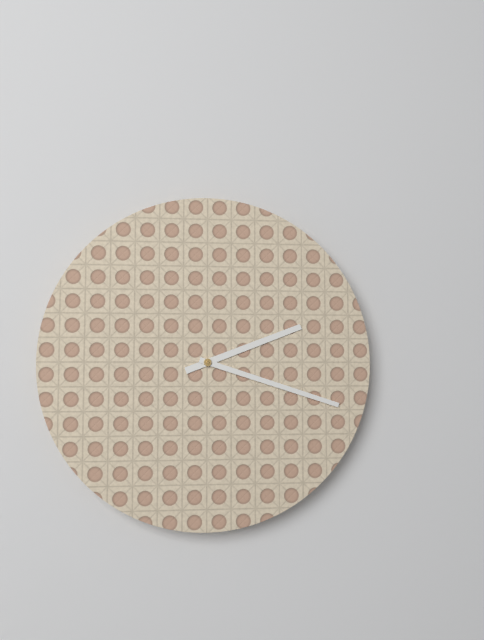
**2:18**
